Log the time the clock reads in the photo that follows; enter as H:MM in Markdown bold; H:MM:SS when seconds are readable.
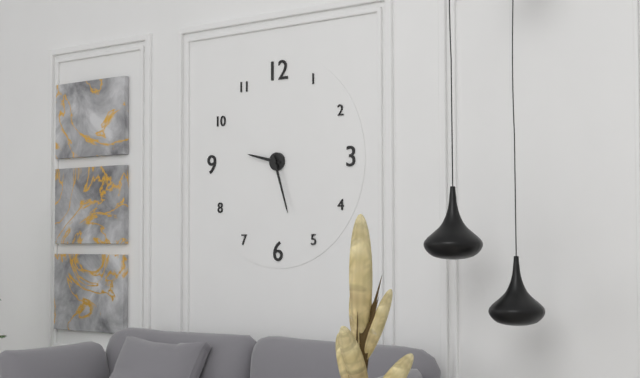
**9:27**
